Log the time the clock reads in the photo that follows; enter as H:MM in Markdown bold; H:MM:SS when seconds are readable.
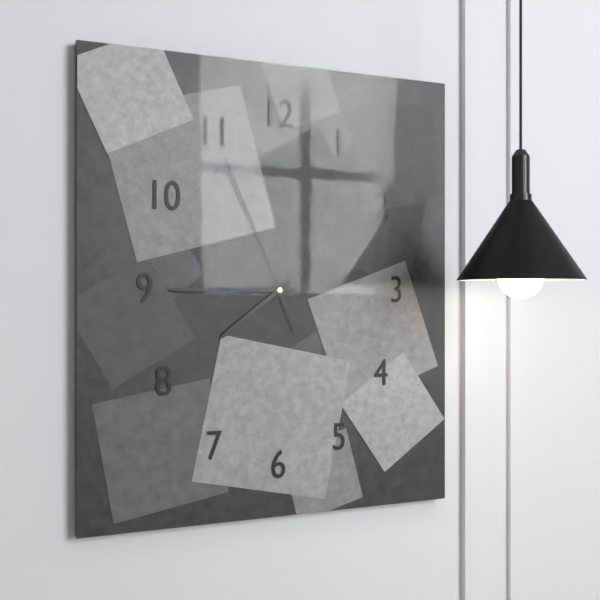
**7:45:56**
